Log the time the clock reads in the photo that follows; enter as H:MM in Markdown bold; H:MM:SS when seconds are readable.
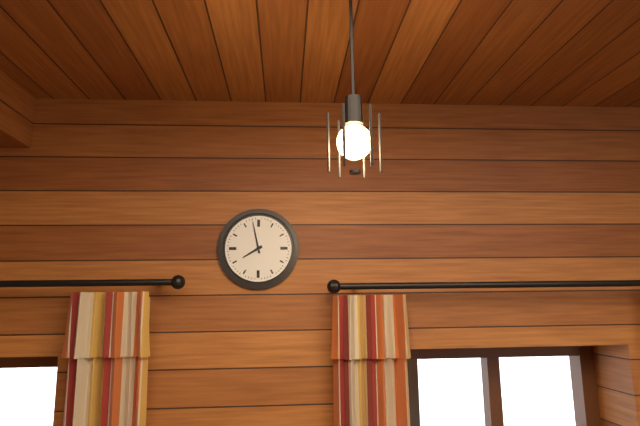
**7:58**
